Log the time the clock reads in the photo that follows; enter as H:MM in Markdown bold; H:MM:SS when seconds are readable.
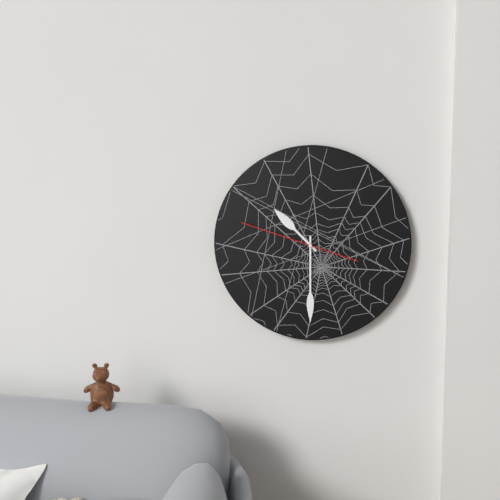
**10:30:48**
